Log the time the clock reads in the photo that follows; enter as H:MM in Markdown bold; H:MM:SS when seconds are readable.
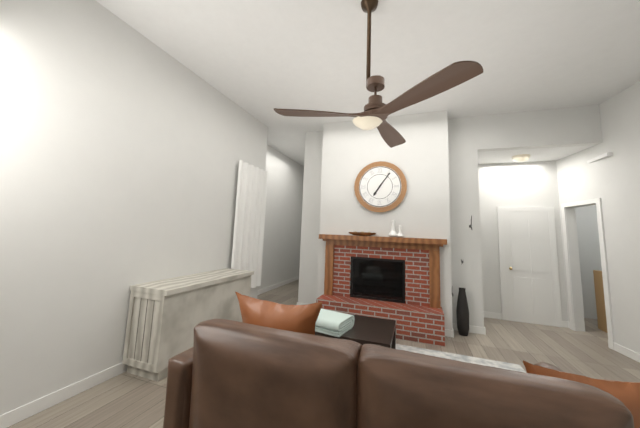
**7:06**
